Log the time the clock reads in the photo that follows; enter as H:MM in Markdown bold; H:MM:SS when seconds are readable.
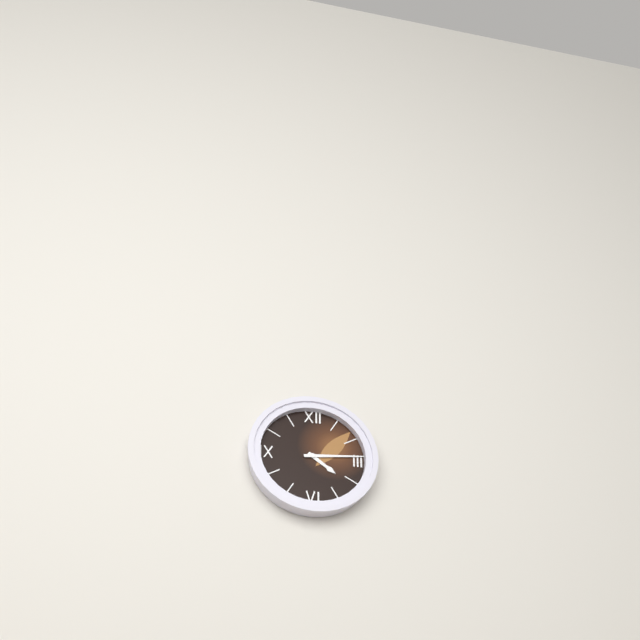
**4:14**
